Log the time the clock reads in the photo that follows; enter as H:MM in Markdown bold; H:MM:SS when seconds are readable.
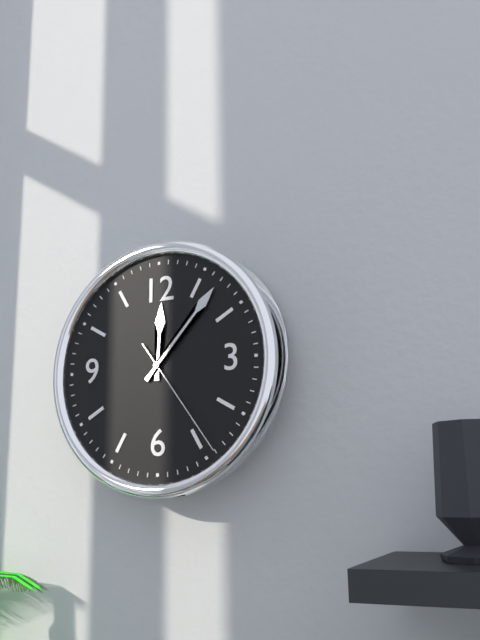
**12:07:24**
